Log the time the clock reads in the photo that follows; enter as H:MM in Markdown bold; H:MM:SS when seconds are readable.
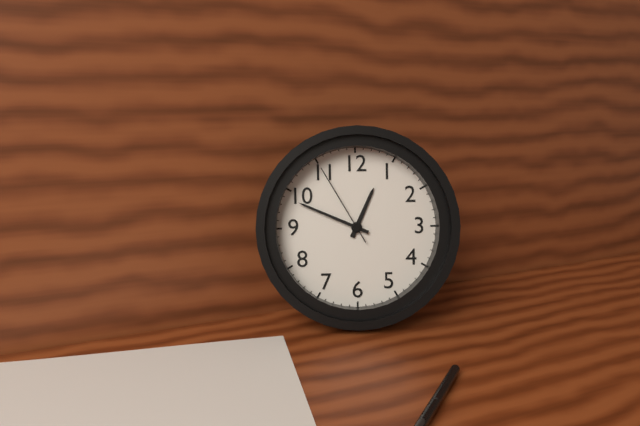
**12:49:55**
